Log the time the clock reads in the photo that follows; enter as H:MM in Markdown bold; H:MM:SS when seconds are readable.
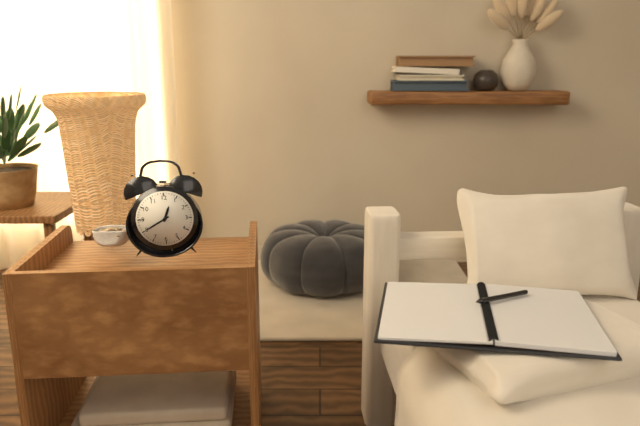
**12:40**
